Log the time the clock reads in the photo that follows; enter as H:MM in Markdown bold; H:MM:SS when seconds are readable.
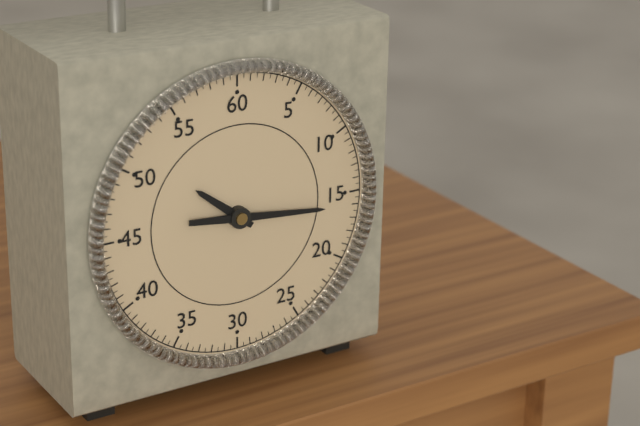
**10:16**
